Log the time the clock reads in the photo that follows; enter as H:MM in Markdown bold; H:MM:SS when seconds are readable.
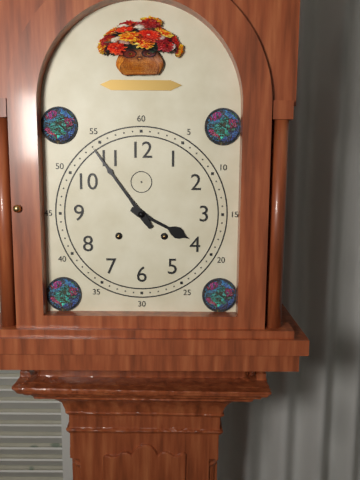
**3:54**
